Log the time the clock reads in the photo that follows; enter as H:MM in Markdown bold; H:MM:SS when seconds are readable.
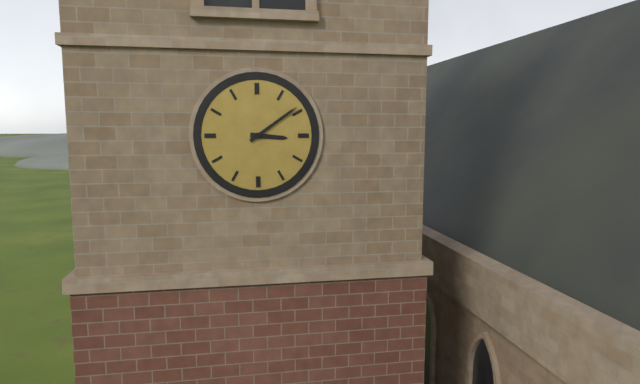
**3:09**
